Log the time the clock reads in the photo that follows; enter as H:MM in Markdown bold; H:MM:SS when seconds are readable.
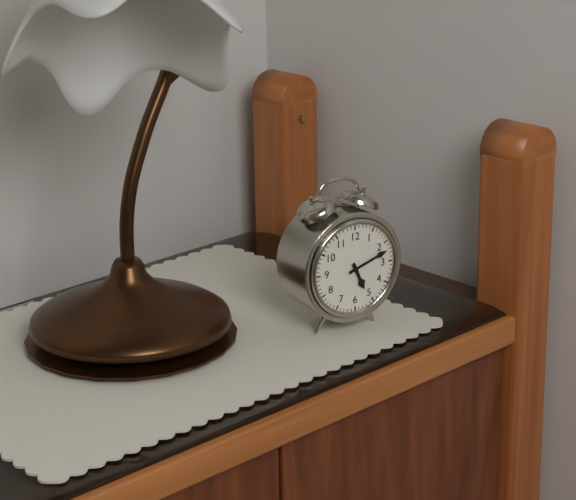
**5:12**
